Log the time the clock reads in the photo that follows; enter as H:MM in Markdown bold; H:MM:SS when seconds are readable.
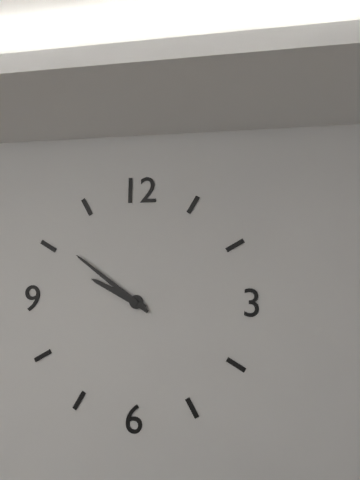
**9:51**
